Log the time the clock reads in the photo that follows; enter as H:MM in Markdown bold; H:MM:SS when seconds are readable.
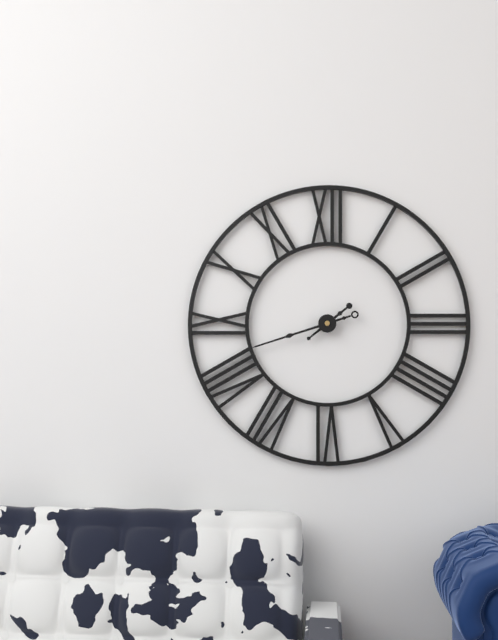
**1:42**
